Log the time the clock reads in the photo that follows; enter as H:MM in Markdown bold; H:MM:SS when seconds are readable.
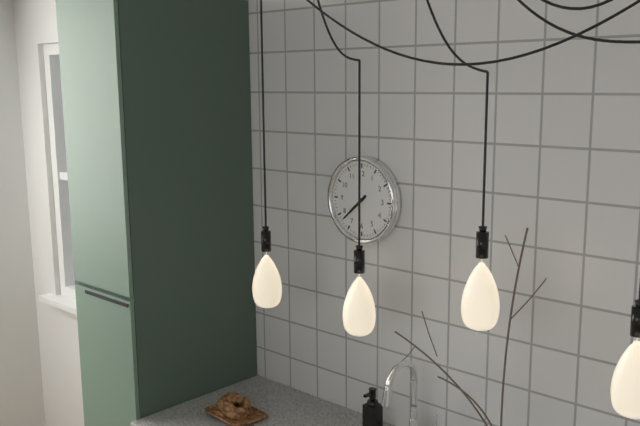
**7:38**
